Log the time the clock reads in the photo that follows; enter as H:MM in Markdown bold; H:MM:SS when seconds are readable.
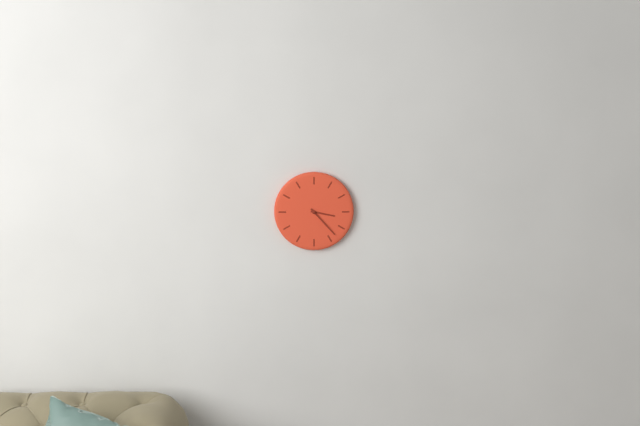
**3:23**
